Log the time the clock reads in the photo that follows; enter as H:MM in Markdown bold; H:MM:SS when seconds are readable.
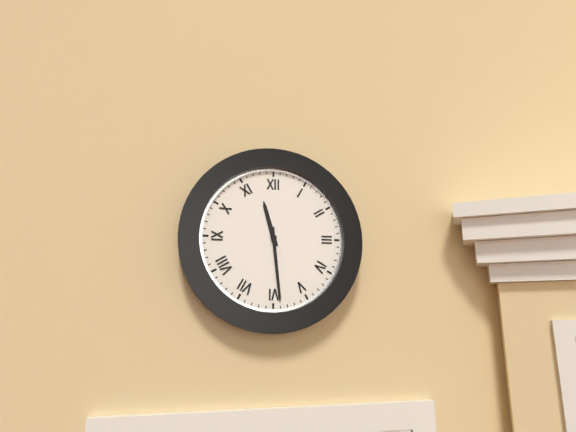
**11:29**
